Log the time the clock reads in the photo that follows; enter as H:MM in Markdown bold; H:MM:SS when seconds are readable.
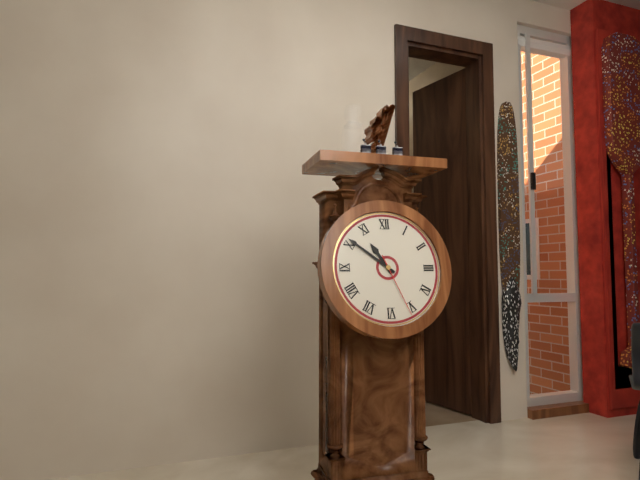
**10:51:26**
